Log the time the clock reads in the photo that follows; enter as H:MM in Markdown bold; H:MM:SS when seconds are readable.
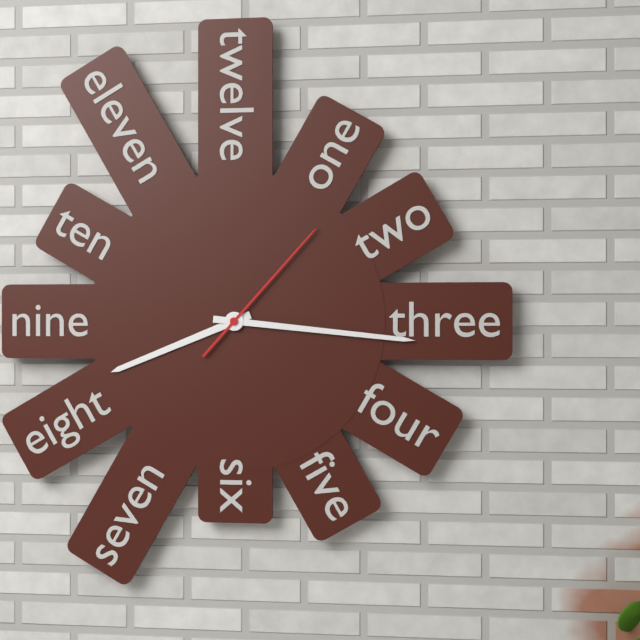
**8:16:07**
